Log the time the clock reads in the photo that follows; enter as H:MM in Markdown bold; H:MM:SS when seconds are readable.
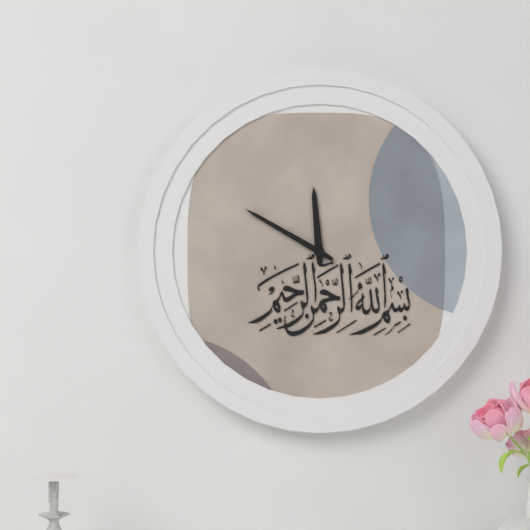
**11:50**
